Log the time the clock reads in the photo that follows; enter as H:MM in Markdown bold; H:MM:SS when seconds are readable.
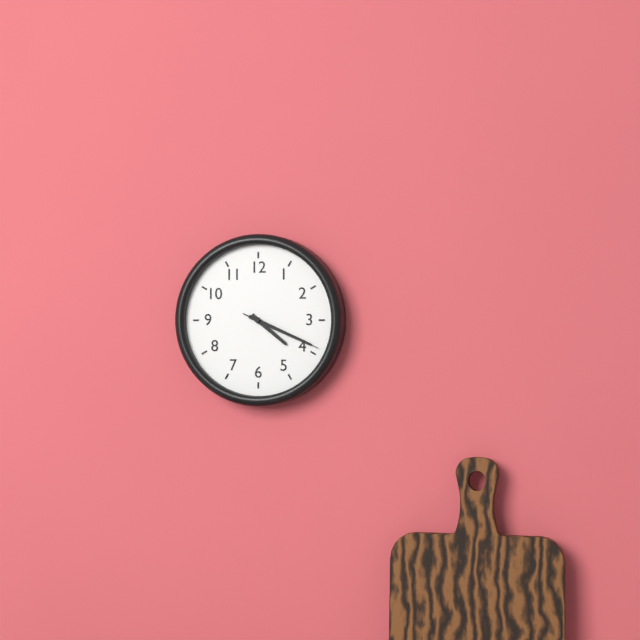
**4:19:19**
